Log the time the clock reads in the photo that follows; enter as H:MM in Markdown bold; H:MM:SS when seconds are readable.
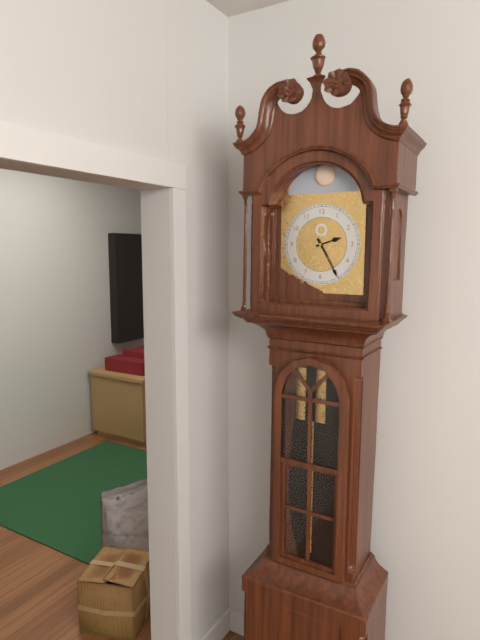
**2:25**
